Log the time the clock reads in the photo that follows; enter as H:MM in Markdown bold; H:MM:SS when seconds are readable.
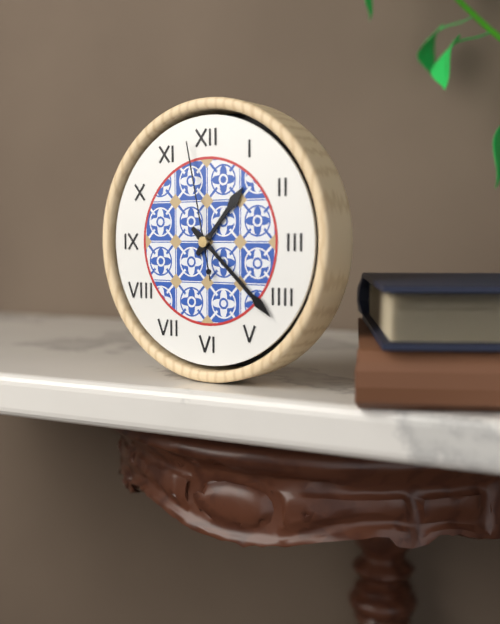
**1:22:58**
